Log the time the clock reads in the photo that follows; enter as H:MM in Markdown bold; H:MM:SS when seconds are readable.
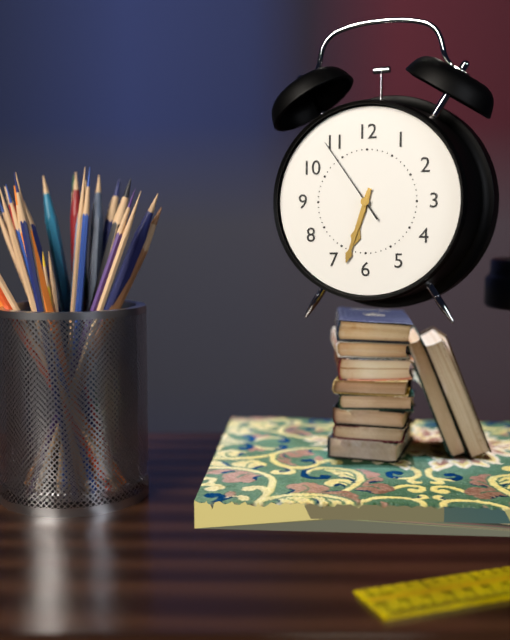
**6:33:54**
